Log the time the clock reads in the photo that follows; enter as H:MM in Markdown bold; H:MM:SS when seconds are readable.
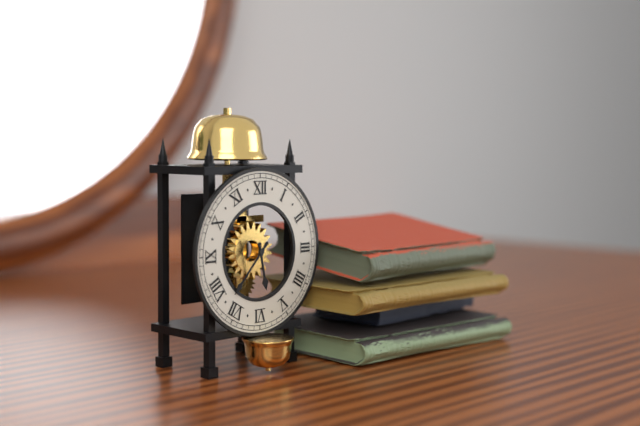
**5:37**
